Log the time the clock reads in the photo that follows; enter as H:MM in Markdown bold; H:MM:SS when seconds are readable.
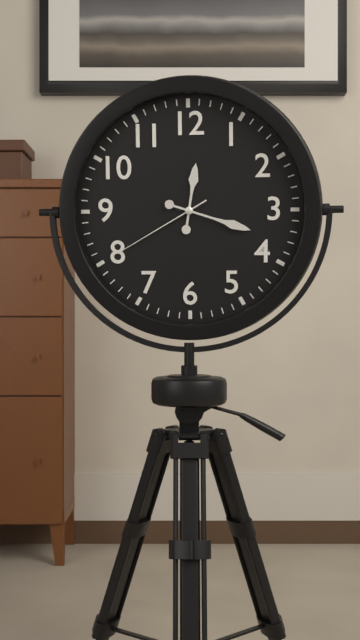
**12:18:40**
